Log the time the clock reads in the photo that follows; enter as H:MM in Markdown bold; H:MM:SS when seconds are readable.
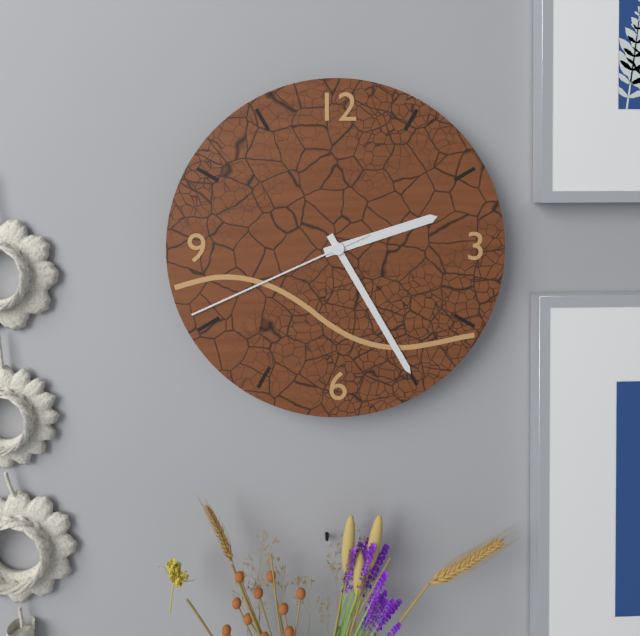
**2:25:41**
